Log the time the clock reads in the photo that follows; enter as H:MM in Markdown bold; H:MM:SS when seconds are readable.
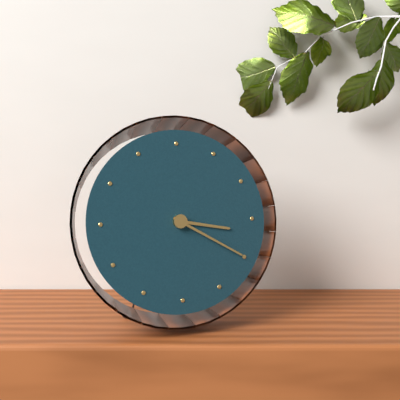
**3:20**
